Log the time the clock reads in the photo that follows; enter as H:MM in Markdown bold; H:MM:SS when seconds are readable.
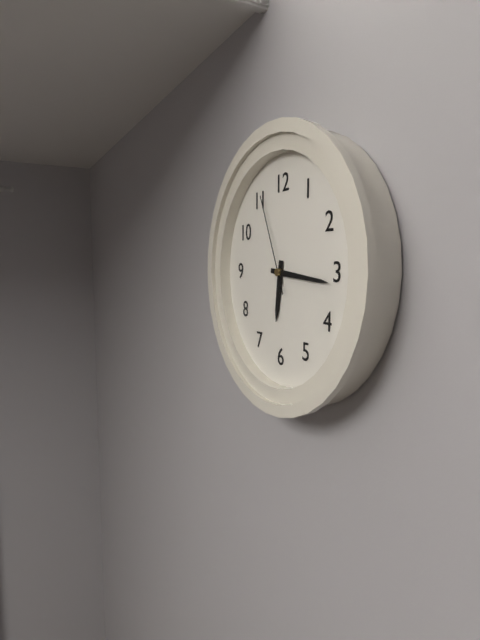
**6:16:56**
